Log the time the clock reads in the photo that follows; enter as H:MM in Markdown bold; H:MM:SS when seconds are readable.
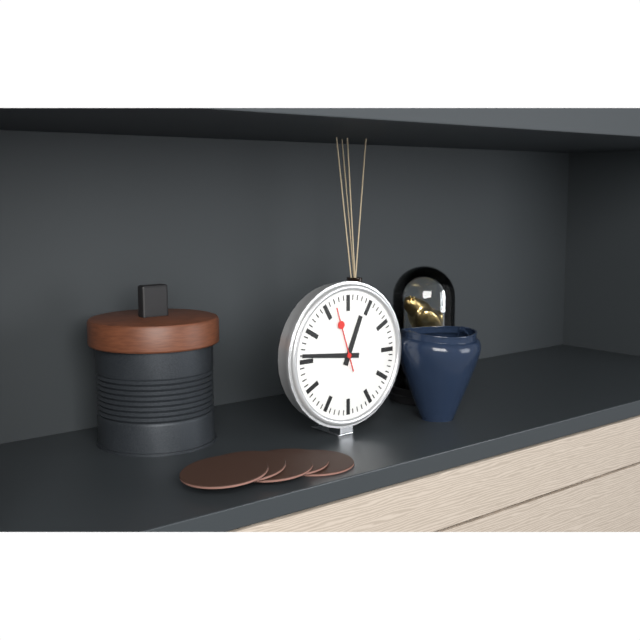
**12:46:57**
